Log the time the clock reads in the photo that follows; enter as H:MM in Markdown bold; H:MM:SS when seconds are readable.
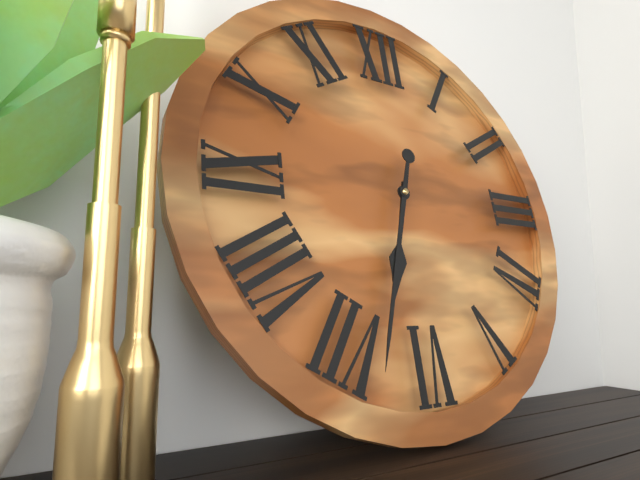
**6:33**
